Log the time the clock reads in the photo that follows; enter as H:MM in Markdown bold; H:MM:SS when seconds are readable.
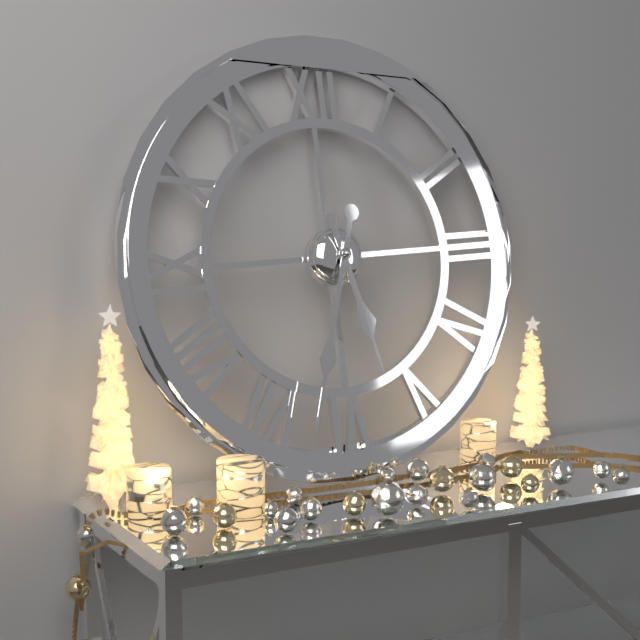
**5:33**
